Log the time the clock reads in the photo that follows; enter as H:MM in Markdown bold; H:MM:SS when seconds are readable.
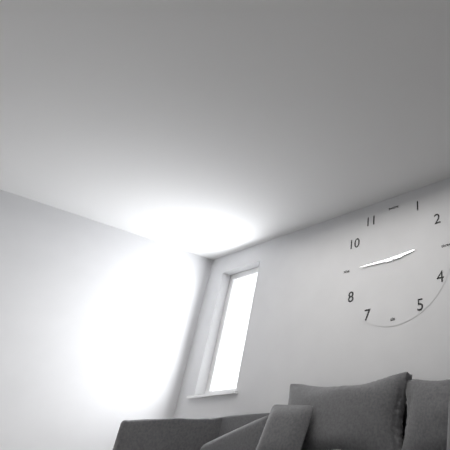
**2:45**
